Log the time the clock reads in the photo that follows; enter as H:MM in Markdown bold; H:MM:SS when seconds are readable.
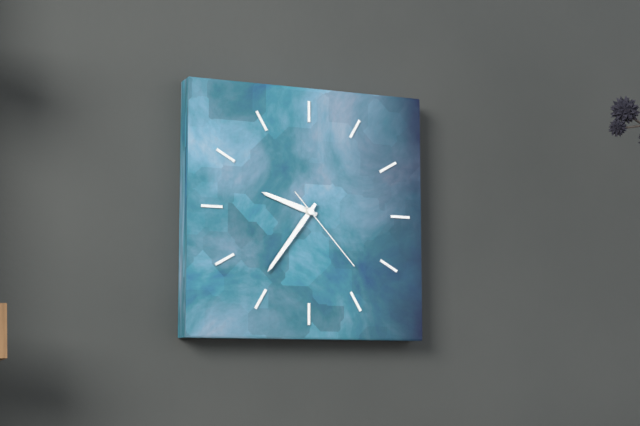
**9:36:23**
